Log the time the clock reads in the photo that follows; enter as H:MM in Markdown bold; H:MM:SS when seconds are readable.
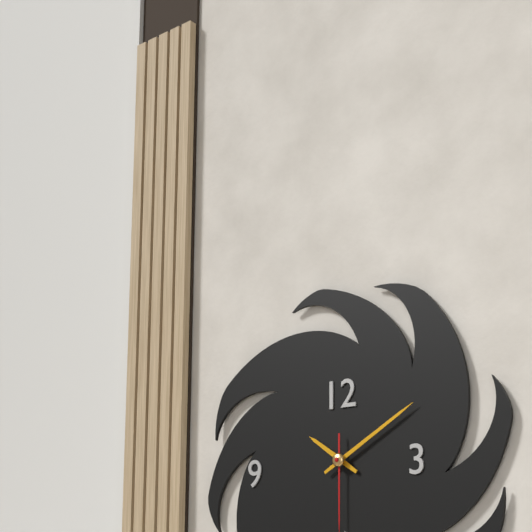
**10:10**
